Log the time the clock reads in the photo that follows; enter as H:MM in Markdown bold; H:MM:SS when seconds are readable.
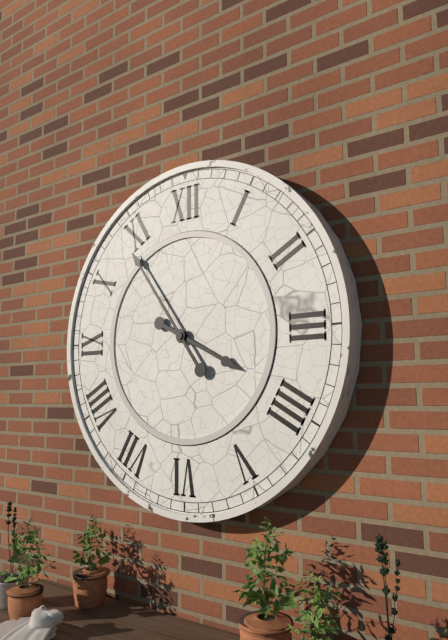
**3:54**
